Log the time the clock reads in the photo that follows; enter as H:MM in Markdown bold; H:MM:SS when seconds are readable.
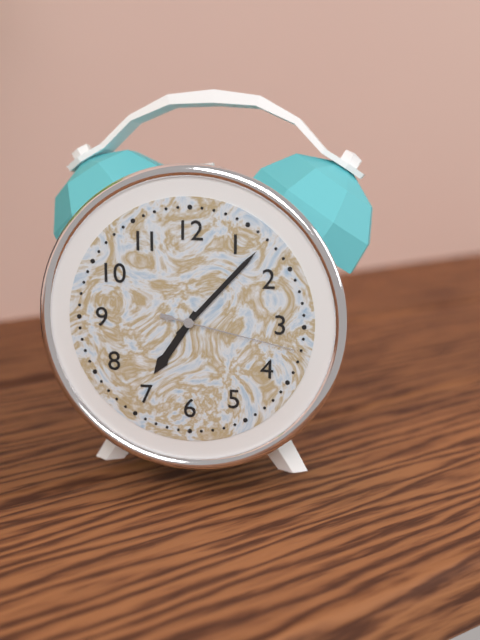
**7:07:17**
